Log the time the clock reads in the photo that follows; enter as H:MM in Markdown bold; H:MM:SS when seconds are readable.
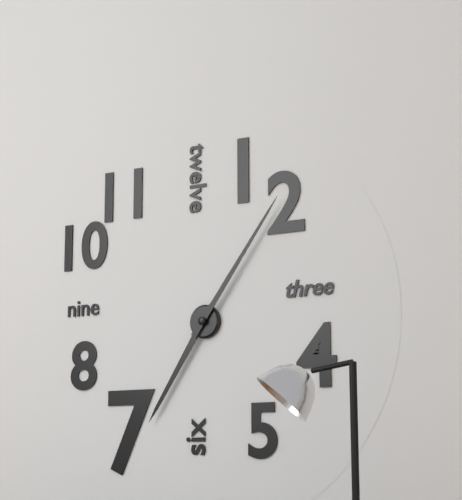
**7:06**
